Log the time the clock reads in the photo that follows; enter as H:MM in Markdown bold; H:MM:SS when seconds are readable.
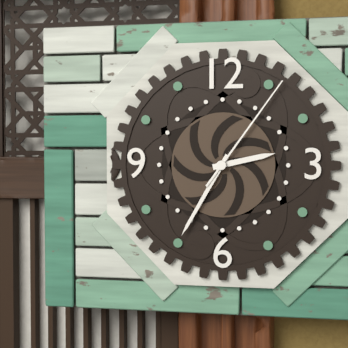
**2:35:06**
